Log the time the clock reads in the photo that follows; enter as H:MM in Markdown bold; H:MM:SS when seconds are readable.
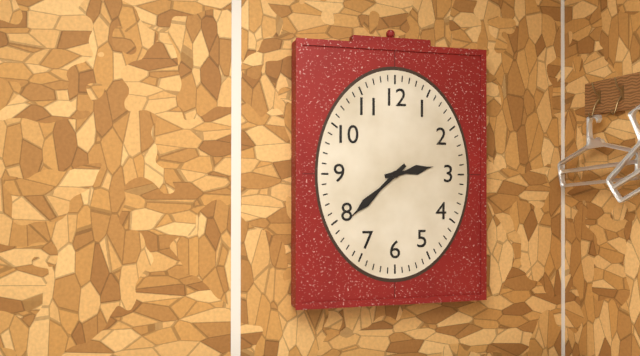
**2:38**
